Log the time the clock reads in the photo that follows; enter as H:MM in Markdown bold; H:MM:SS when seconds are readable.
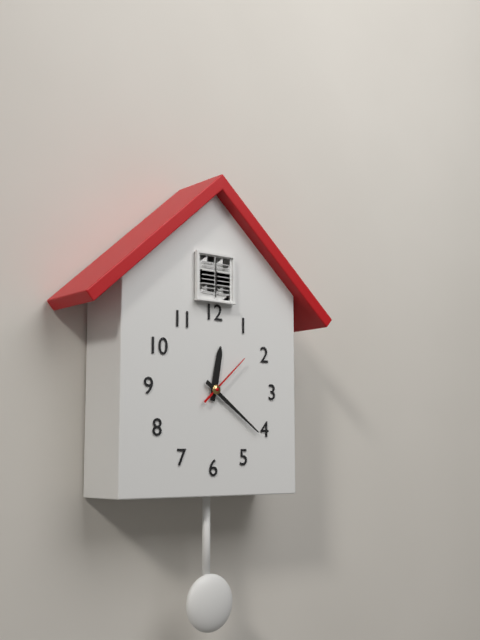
**12:21:08**
